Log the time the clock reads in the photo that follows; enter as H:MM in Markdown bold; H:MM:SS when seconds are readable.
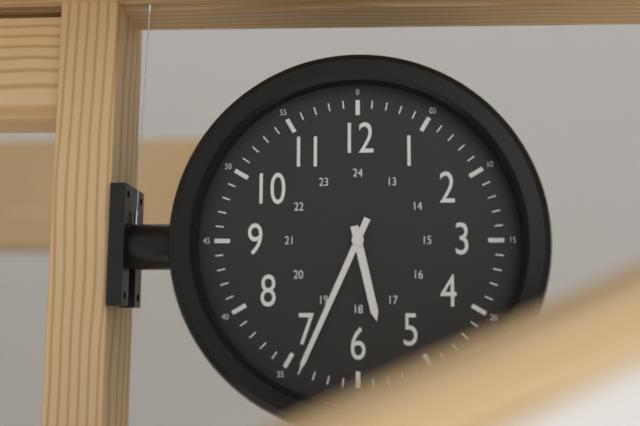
**5:34**
